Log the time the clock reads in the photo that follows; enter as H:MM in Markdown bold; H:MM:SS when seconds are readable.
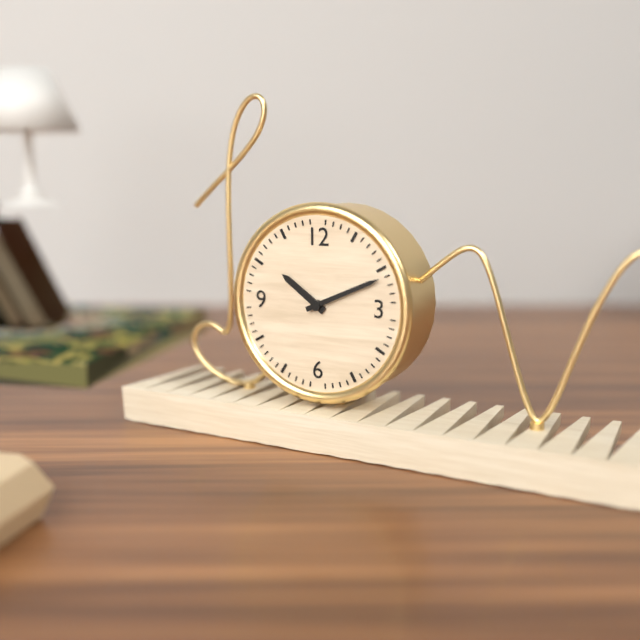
**10:11**
